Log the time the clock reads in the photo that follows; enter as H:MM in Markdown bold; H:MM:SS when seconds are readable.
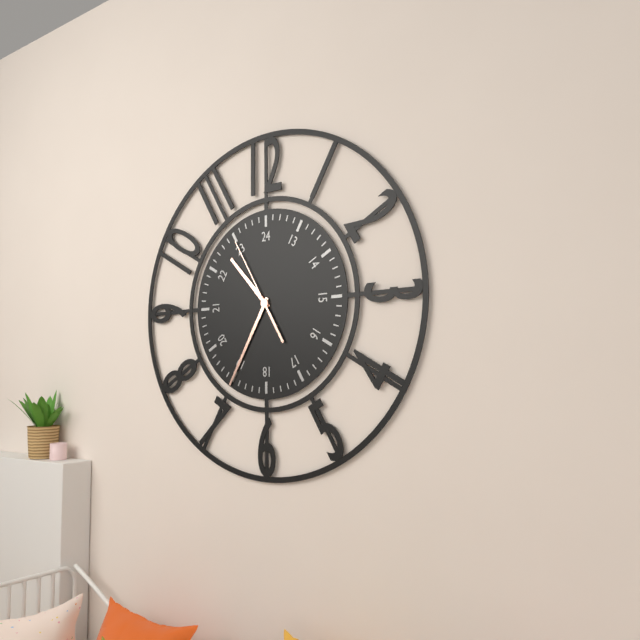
**10:35:55**
